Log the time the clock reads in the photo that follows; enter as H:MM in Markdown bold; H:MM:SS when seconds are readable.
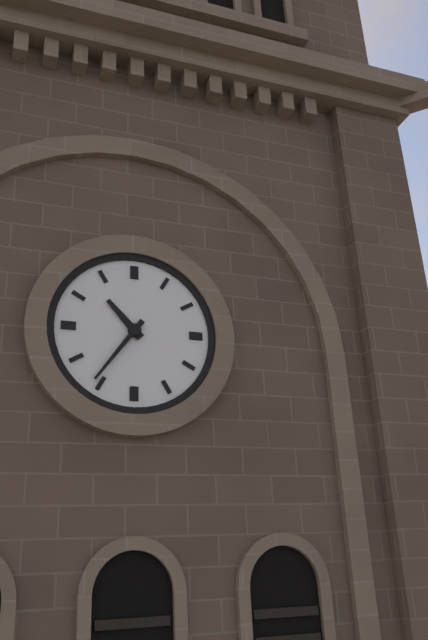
**10:36**
